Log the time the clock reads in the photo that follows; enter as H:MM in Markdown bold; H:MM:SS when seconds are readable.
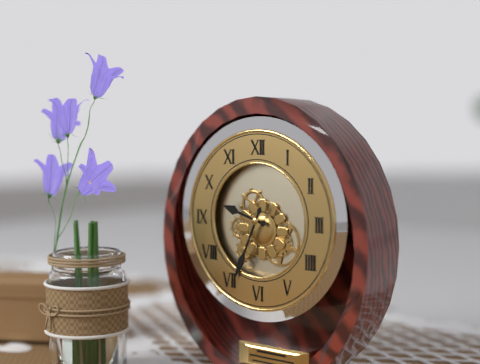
**9:34**
